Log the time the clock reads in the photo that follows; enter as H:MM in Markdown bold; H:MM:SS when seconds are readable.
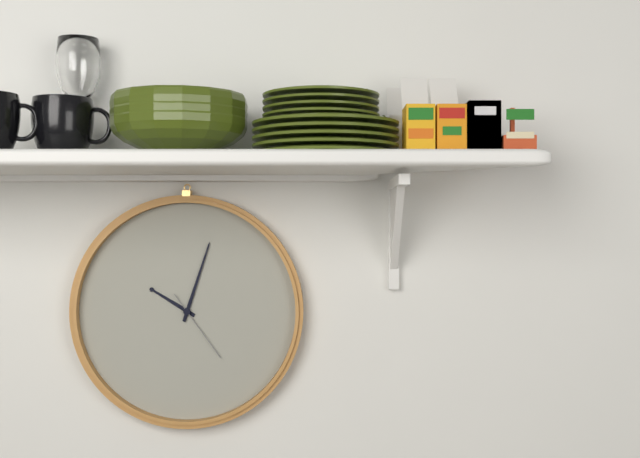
**10:03:24**
